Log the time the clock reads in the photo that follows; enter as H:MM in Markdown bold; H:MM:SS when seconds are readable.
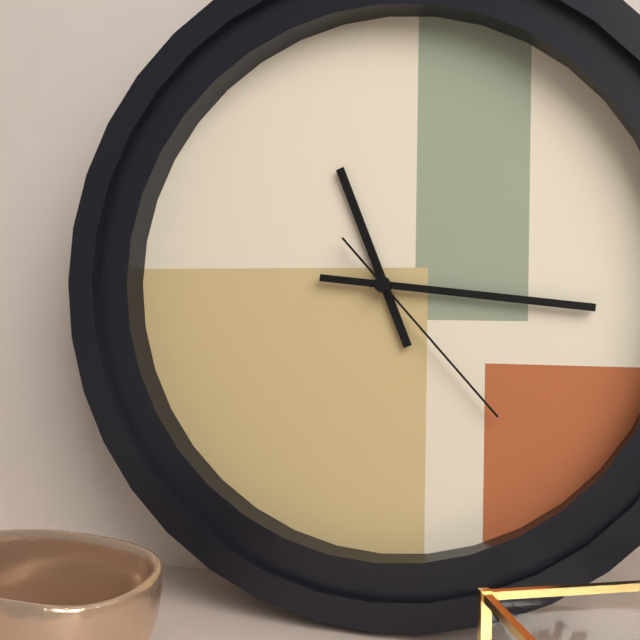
**11:16:23**
